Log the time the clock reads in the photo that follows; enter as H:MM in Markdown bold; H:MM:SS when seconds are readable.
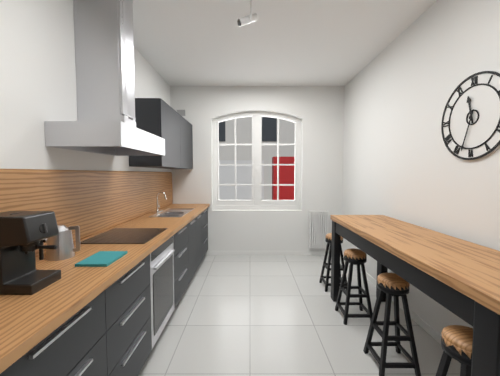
**11:33**
